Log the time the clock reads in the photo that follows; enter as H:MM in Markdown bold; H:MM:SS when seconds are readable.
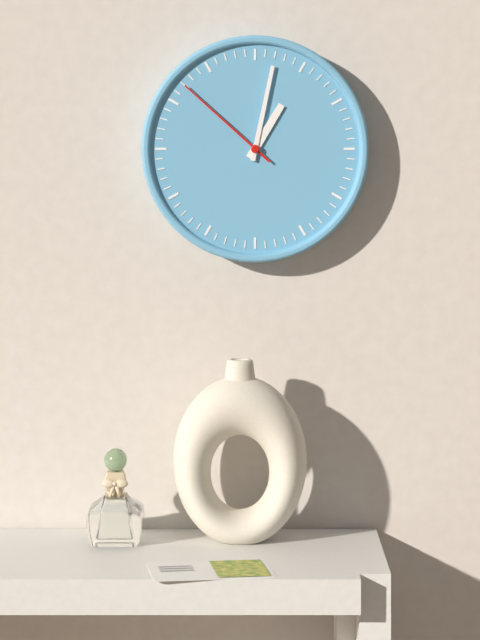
**1:02:52**
